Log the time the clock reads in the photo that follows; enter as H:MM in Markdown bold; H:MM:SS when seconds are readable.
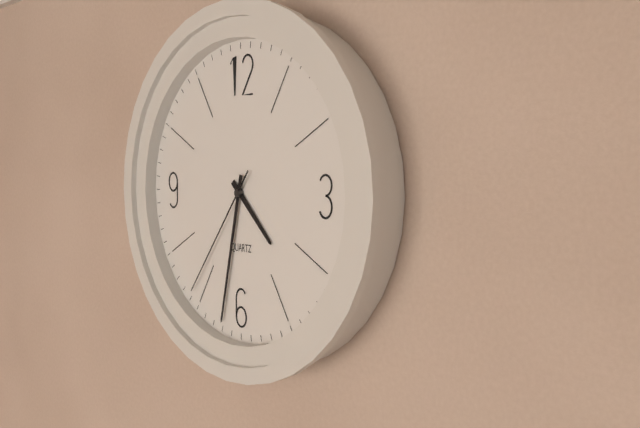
**4:32:36**
